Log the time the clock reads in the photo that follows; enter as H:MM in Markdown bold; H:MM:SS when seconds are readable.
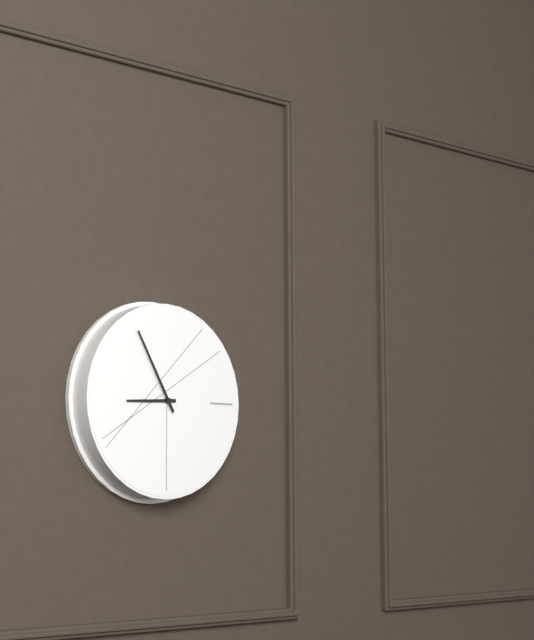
**8:55**
